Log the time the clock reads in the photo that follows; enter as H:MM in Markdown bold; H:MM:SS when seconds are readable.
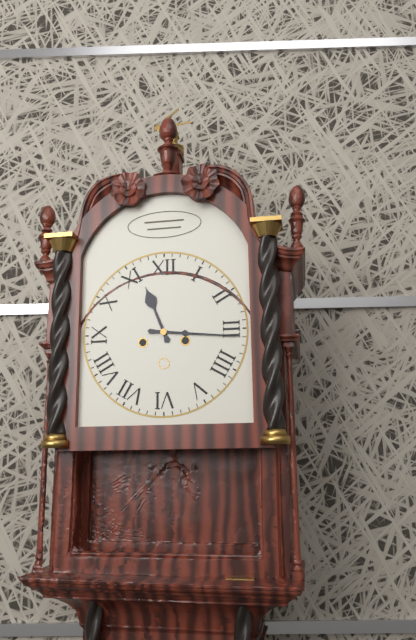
**11:16**
